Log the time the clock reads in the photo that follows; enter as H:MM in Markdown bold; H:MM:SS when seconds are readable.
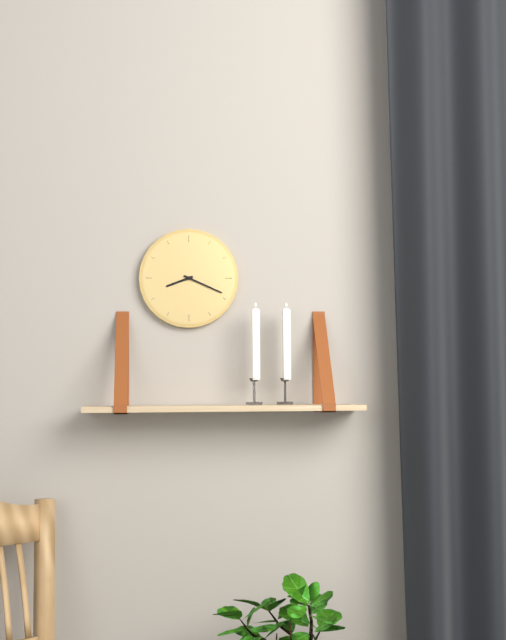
**8:19**
